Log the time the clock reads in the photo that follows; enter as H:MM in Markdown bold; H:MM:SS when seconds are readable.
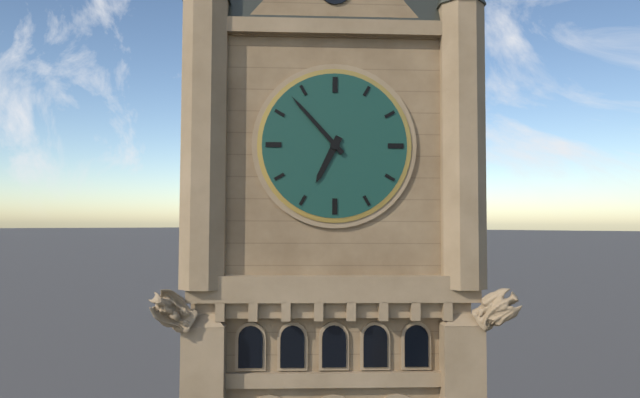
**6:53**
